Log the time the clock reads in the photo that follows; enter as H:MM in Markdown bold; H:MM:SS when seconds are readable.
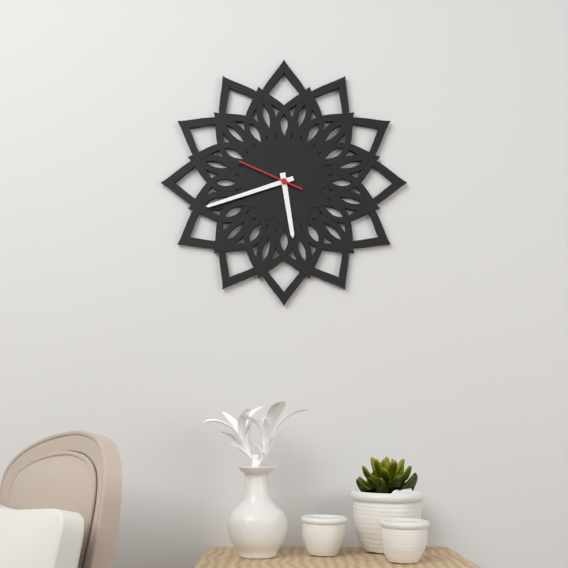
**5:42:49**
